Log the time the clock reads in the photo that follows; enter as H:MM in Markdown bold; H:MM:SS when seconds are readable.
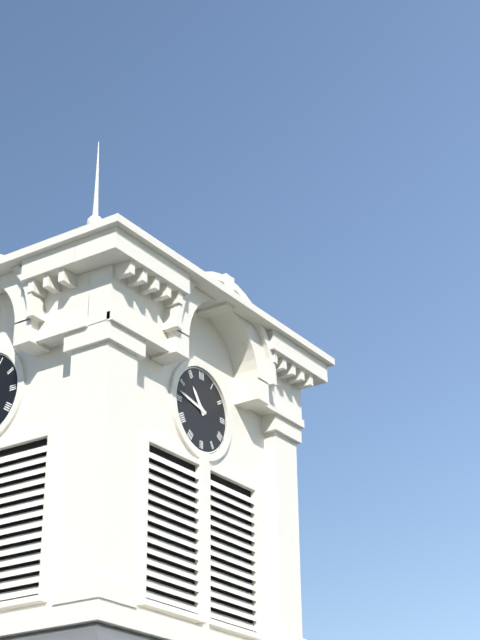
**10:47**
